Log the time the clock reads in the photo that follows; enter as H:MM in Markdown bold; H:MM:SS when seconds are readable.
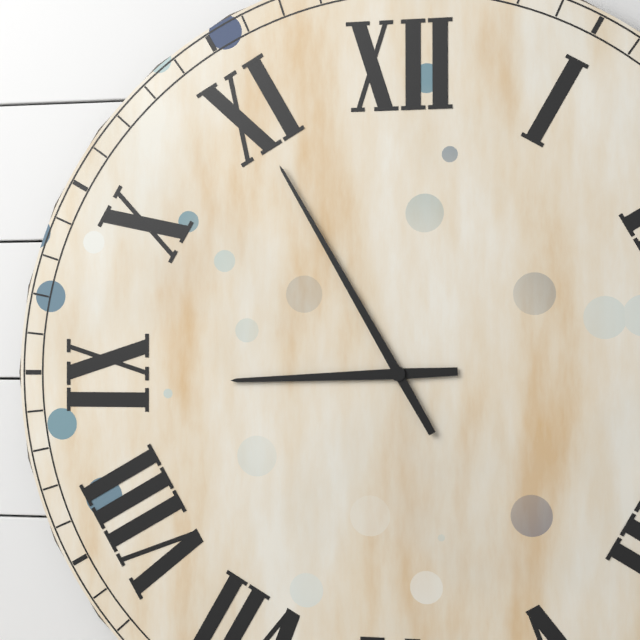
**8:55**
